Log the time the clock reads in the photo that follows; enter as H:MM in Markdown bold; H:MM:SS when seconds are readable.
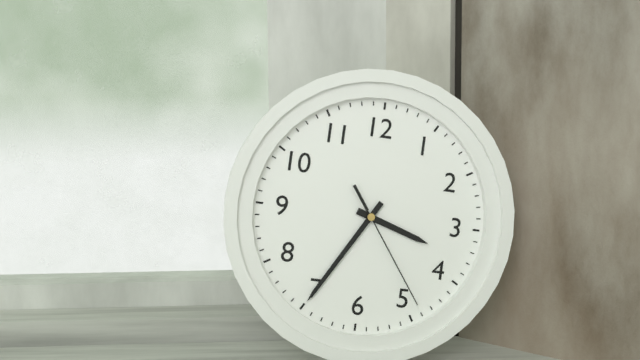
**3:35:24**
